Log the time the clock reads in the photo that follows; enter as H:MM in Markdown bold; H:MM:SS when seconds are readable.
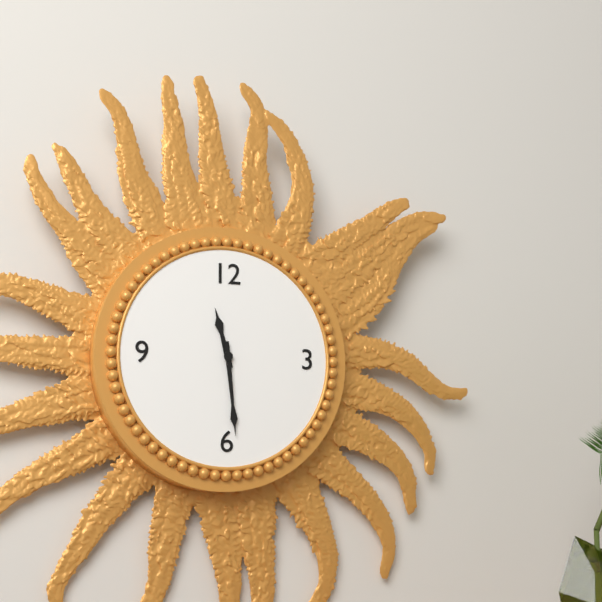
**11:29**
